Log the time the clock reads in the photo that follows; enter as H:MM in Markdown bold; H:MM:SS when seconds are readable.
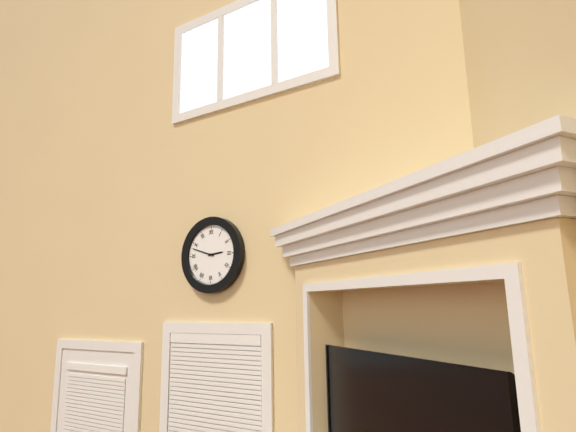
**2:48**
